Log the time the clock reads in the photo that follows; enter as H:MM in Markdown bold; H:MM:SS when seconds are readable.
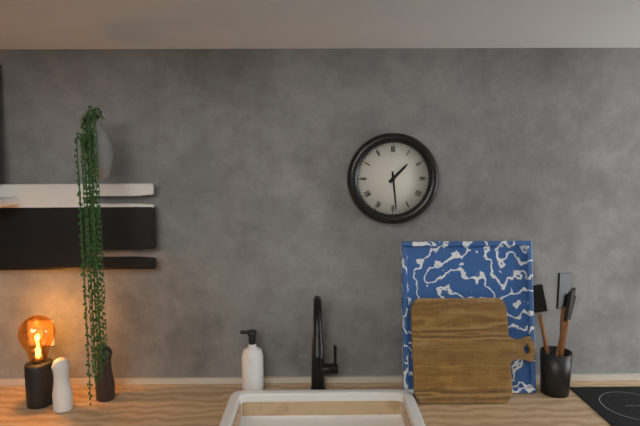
**1:29**
